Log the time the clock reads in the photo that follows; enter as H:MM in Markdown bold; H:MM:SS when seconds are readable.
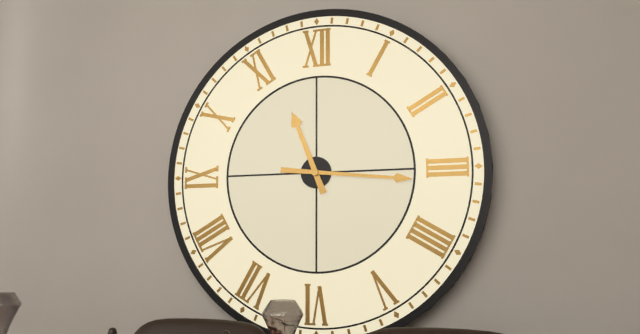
**11:16**
